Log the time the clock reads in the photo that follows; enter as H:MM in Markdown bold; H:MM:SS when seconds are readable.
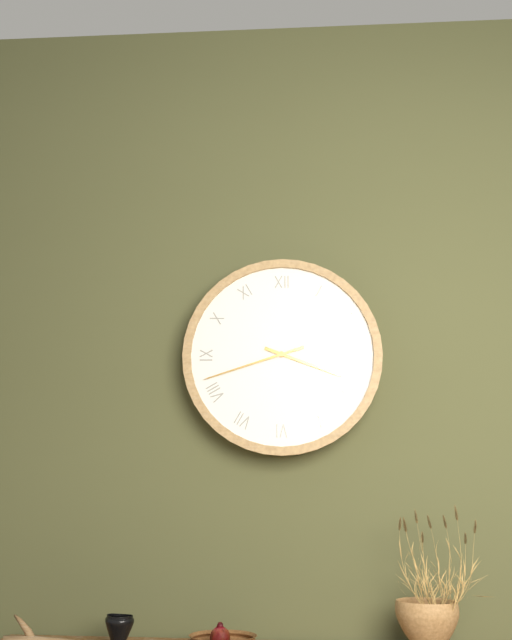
**3:42**
